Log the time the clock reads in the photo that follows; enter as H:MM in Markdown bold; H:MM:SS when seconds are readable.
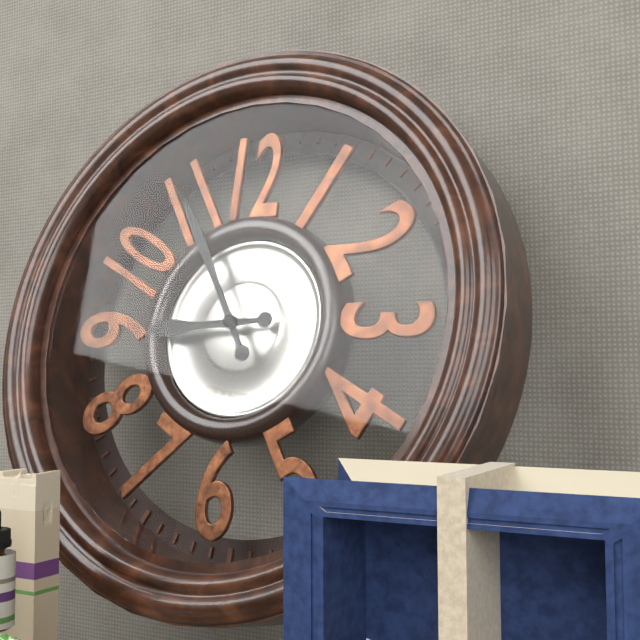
**8:55**
